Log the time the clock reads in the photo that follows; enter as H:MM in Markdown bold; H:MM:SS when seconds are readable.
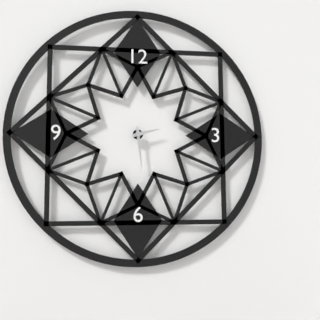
**2:29**
